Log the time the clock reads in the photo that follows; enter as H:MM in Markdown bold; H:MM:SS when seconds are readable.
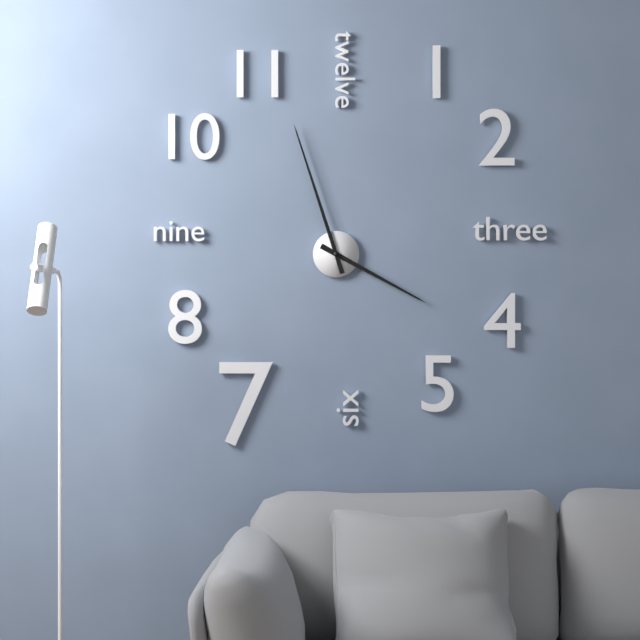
**3:57**
